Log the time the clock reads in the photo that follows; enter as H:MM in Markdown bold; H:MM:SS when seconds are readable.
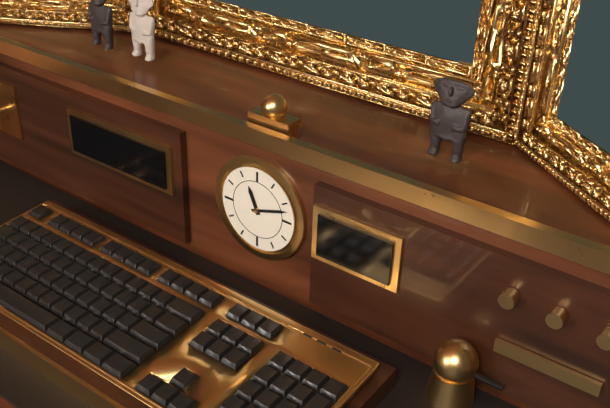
**11:12**
